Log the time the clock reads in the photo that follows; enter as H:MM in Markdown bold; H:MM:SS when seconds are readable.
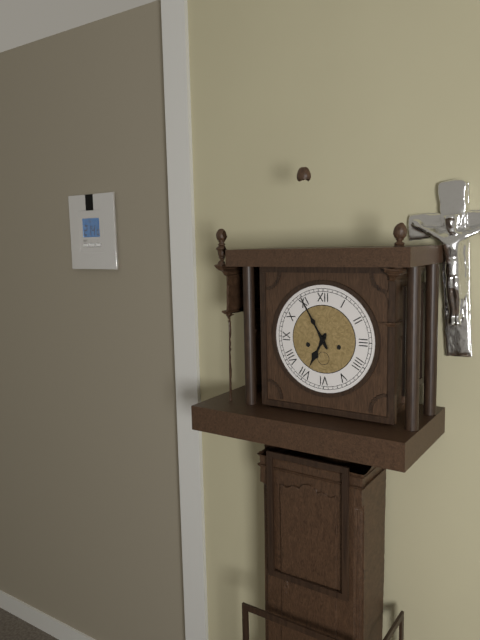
**6:55**
